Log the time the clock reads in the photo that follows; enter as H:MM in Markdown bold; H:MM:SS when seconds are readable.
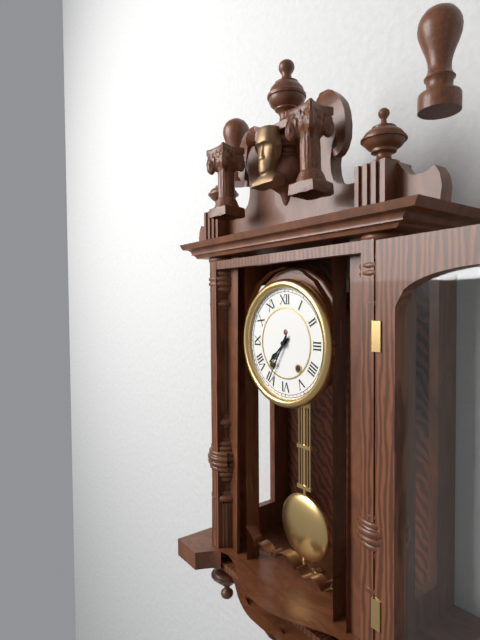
**7:35**
